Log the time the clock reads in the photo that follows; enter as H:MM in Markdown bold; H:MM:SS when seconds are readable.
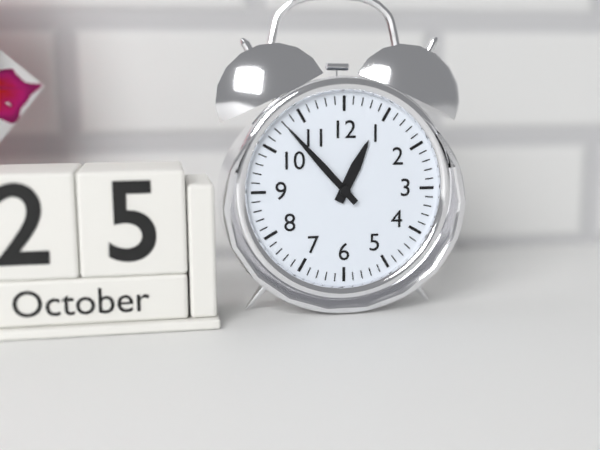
**12:53**
